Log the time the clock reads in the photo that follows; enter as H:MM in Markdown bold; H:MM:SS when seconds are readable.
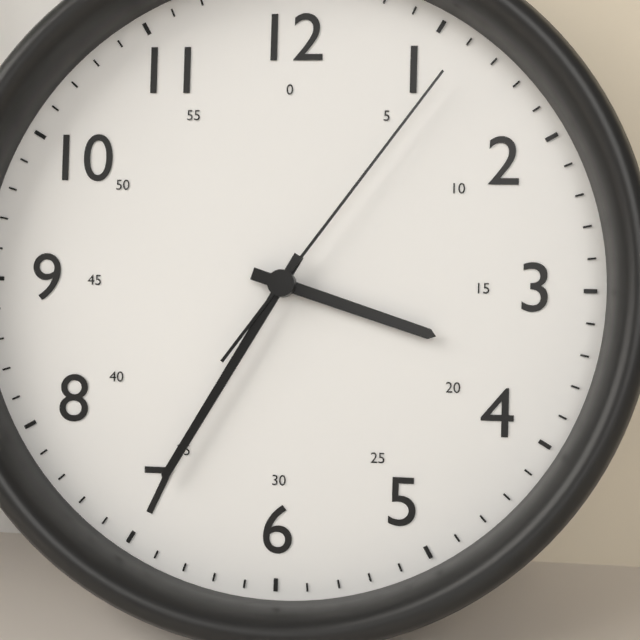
**3:35:06**
